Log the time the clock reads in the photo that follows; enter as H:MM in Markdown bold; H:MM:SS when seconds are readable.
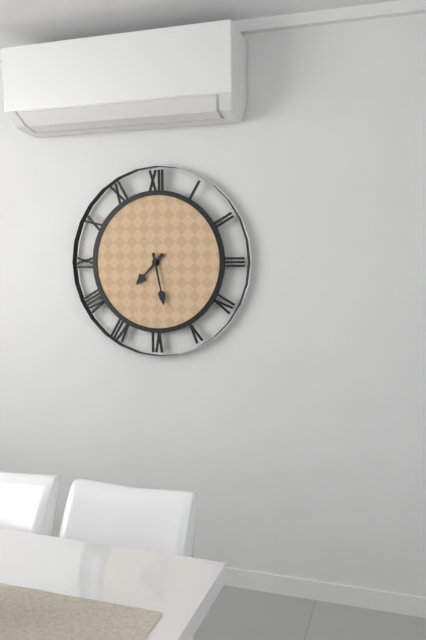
**7:28**
